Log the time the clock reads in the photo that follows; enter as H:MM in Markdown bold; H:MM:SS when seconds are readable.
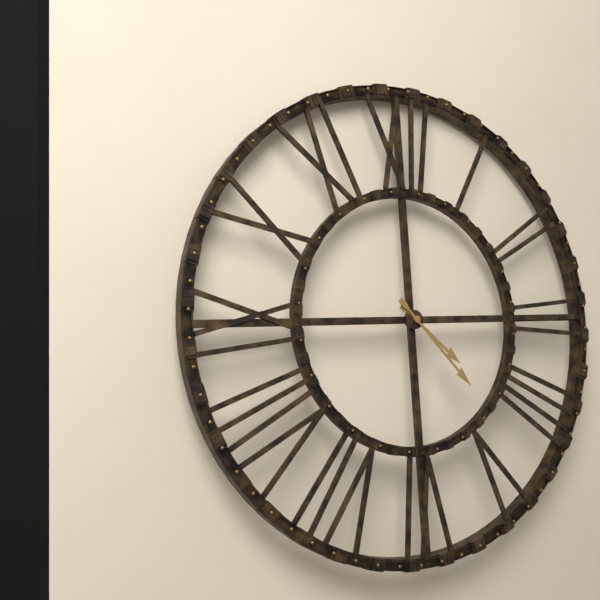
**4:23**
